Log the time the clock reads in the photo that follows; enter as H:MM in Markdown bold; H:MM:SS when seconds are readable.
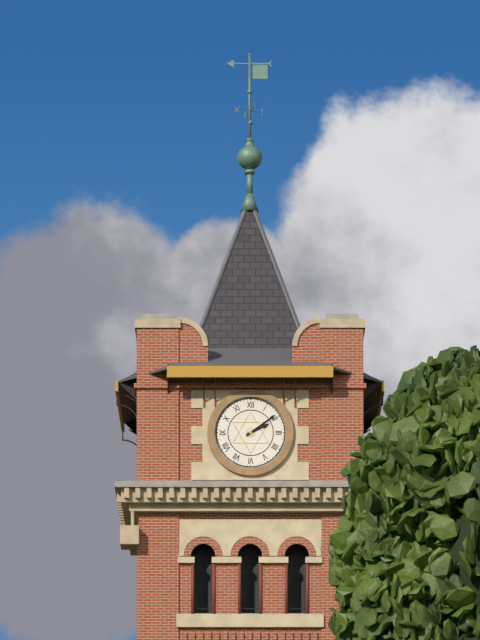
**2:09**
